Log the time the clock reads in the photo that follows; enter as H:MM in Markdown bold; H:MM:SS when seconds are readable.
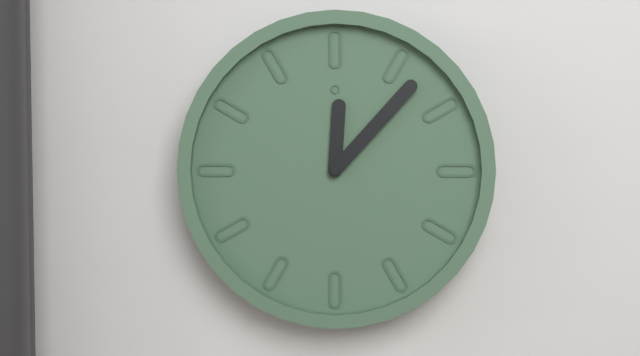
**12:07**
